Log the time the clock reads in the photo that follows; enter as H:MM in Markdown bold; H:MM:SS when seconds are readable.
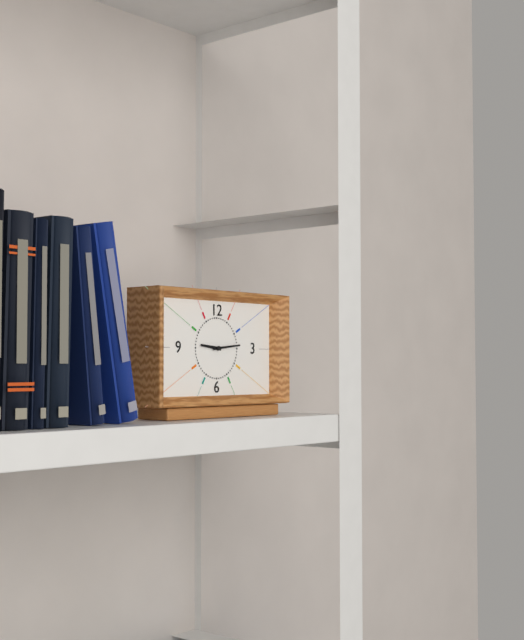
**9:14**
